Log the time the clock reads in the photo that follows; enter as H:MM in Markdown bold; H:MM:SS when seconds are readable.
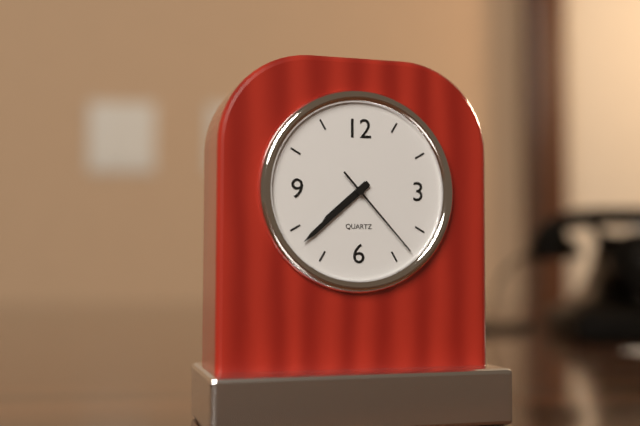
**7:38:23**
